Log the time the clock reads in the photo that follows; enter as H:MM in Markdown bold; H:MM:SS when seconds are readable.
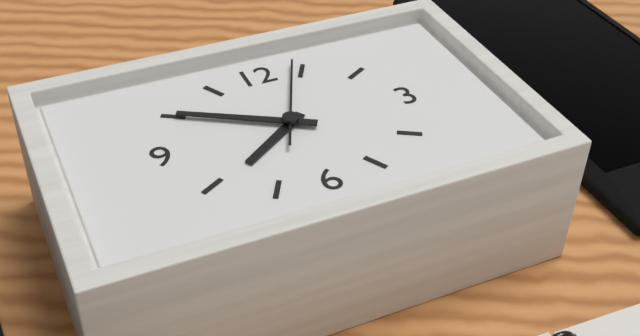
**7:50:04**
